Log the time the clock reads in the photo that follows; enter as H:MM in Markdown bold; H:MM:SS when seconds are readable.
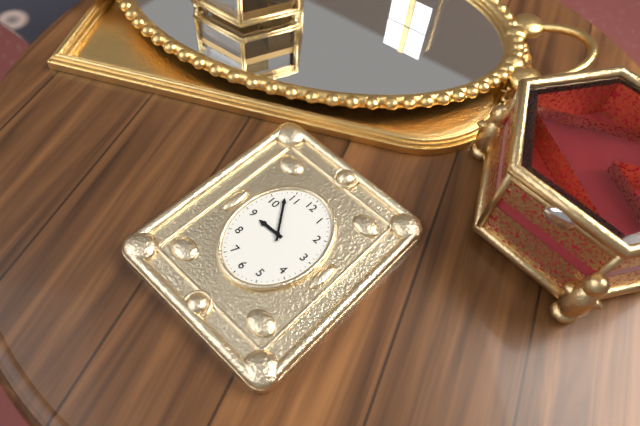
**8:54**
